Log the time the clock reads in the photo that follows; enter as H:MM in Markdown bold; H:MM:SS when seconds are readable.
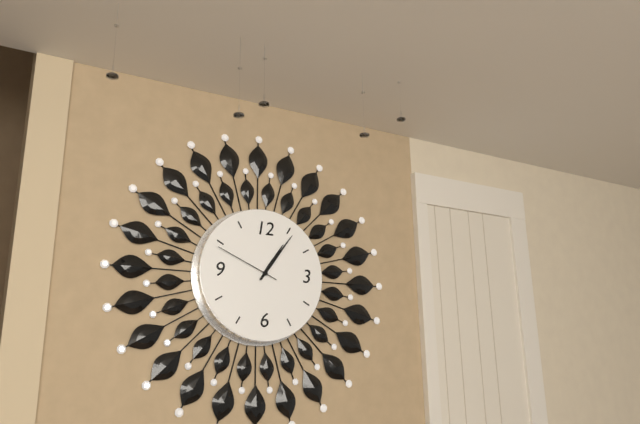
**1:06:49**
